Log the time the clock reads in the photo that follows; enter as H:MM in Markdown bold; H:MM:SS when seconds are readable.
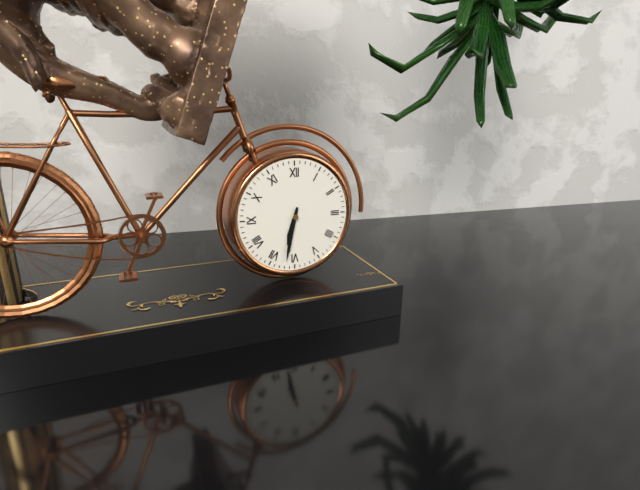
**6:32**
